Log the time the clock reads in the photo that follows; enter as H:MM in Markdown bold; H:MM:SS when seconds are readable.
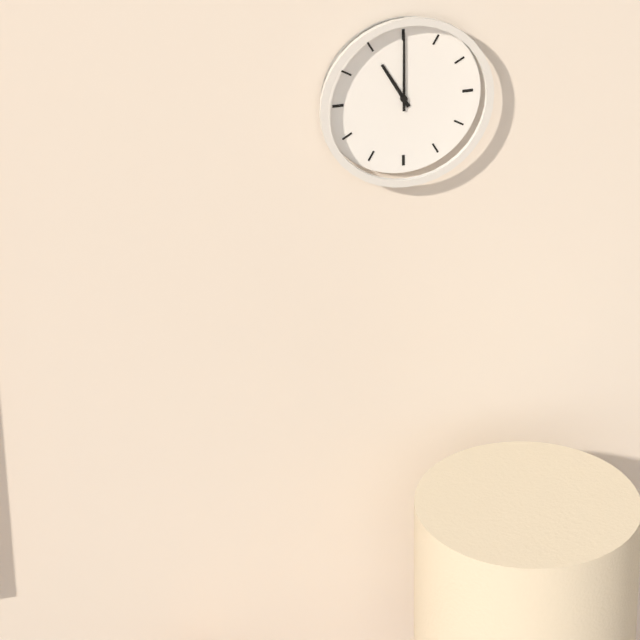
**11:00**
